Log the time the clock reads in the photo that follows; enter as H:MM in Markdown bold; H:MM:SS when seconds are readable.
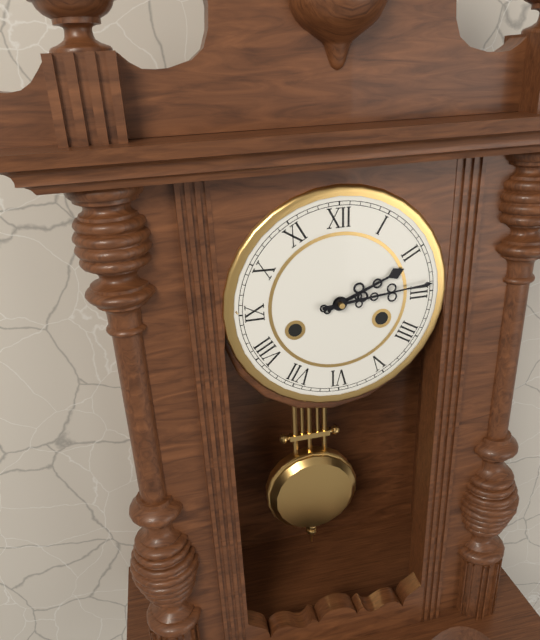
**2:14**
